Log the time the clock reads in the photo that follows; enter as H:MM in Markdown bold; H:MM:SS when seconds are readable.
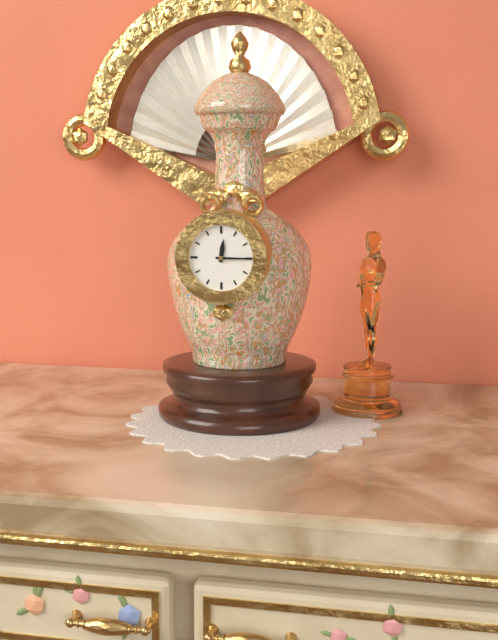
**12:15**
